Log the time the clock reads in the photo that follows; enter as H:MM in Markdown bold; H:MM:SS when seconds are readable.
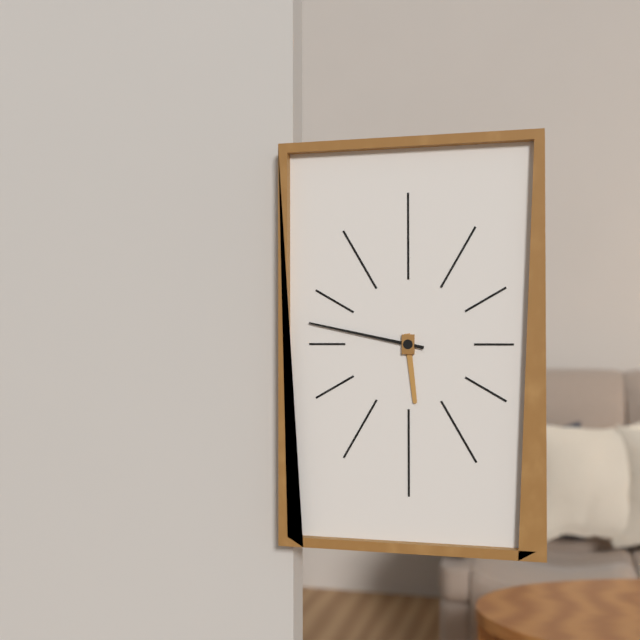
**5:47**
